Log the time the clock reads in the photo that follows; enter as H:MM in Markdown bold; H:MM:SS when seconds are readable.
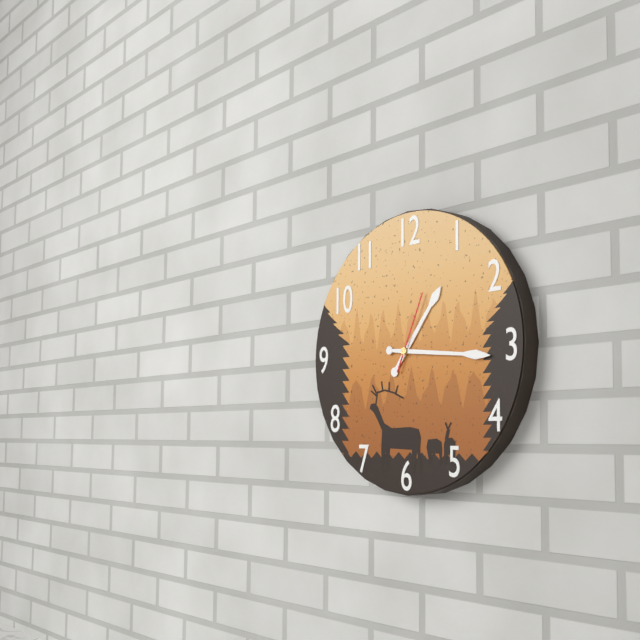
**1:16:04**
